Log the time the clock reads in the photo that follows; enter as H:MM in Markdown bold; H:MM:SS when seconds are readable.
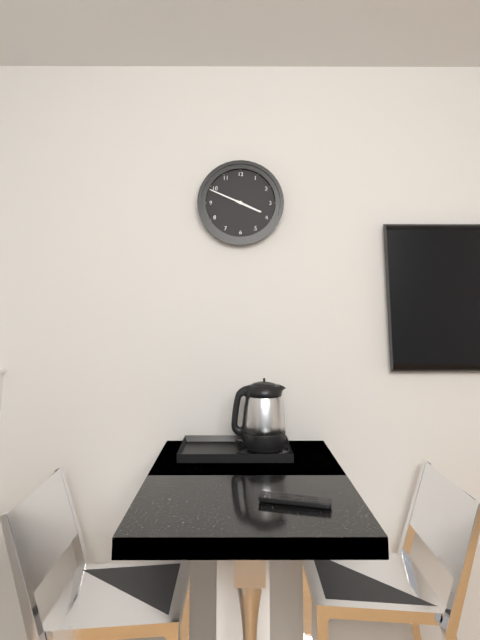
**3:49**
